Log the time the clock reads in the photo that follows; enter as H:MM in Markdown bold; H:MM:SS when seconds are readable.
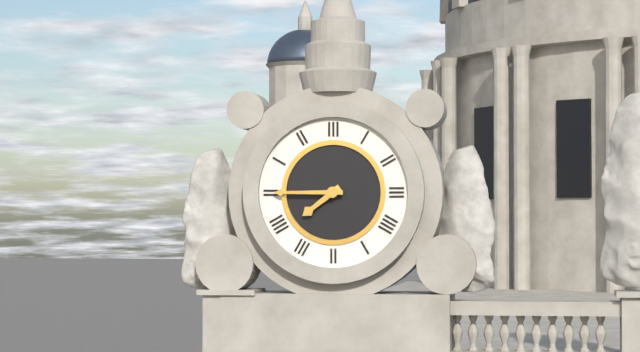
**7:45**
